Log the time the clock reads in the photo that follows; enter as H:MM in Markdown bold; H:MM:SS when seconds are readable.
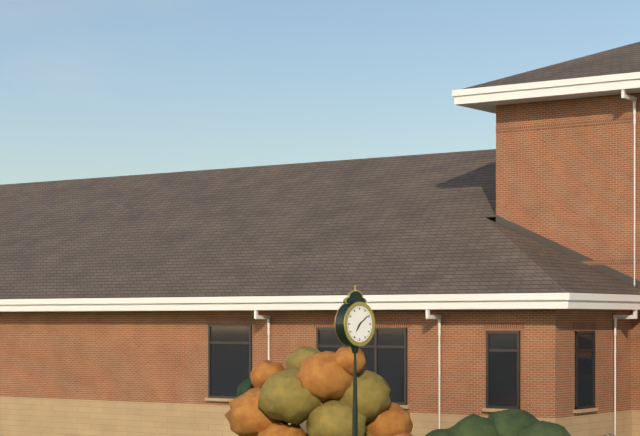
**7:09**
